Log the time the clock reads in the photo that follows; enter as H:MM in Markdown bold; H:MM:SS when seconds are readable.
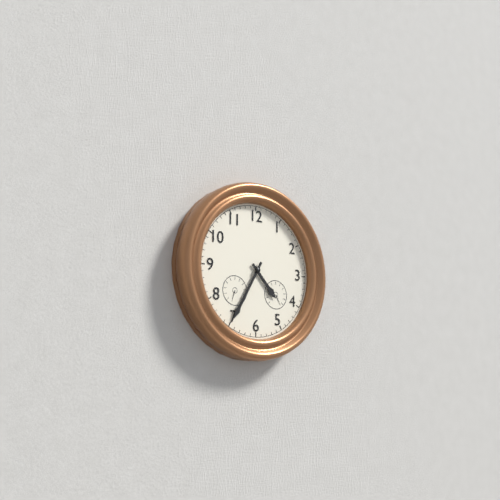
**4:35**
